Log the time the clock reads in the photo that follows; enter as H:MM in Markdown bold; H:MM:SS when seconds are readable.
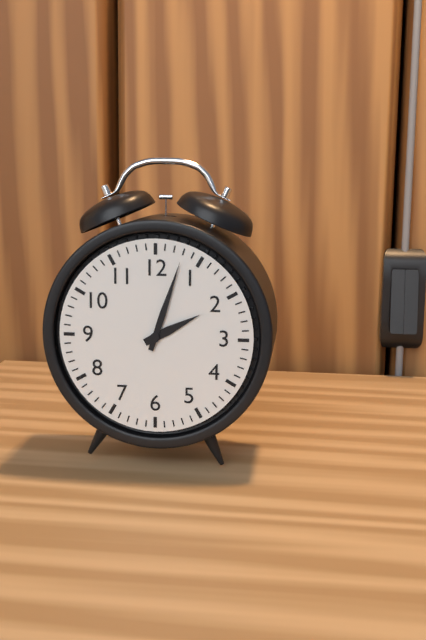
**2:03**
